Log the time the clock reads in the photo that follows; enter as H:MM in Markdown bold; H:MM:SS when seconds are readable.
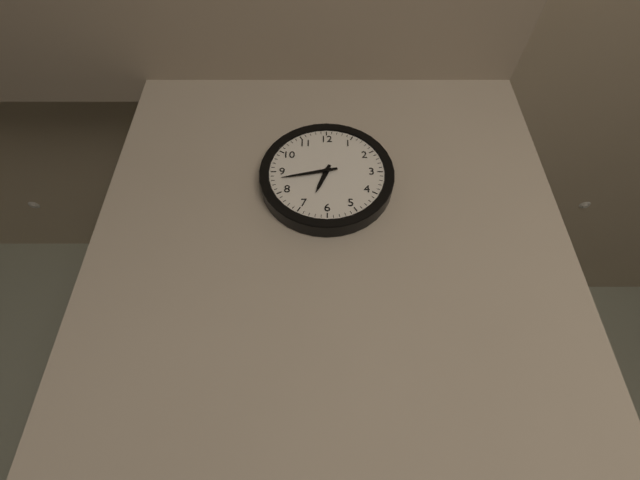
**6:43**
